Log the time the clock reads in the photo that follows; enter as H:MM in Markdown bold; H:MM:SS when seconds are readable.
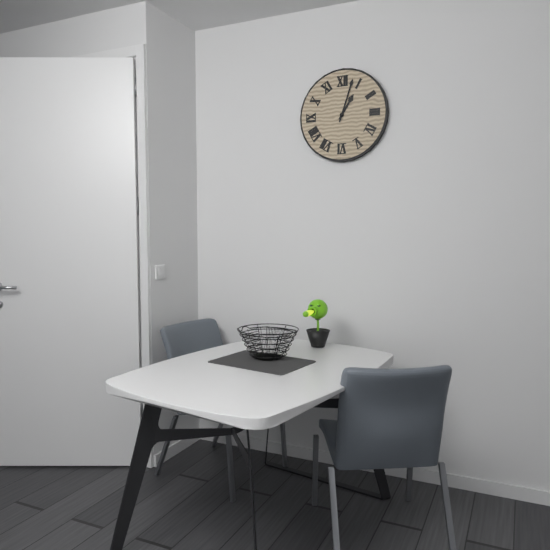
**1:03**
